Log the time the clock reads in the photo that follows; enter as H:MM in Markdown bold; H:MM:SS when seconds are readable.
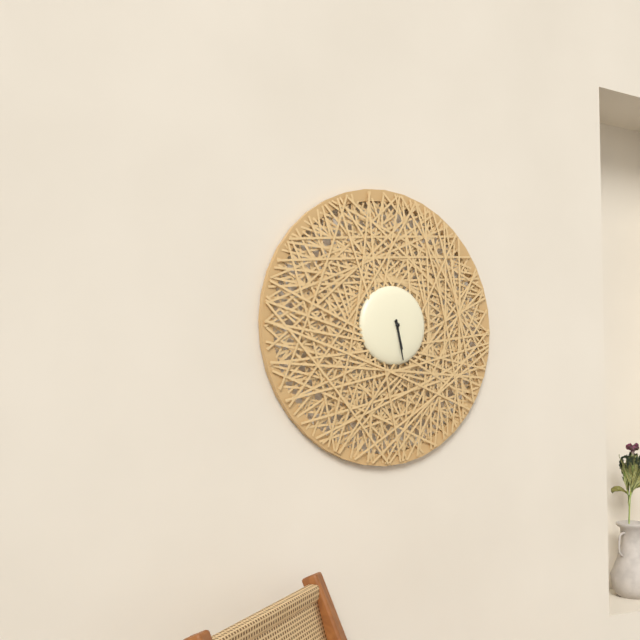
**5:28**
